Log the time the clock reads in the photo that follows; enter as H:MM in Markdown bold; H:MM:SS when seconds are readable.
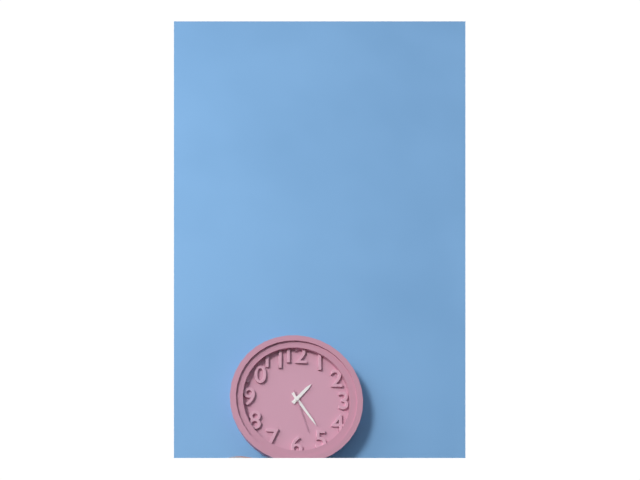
**1:24**
